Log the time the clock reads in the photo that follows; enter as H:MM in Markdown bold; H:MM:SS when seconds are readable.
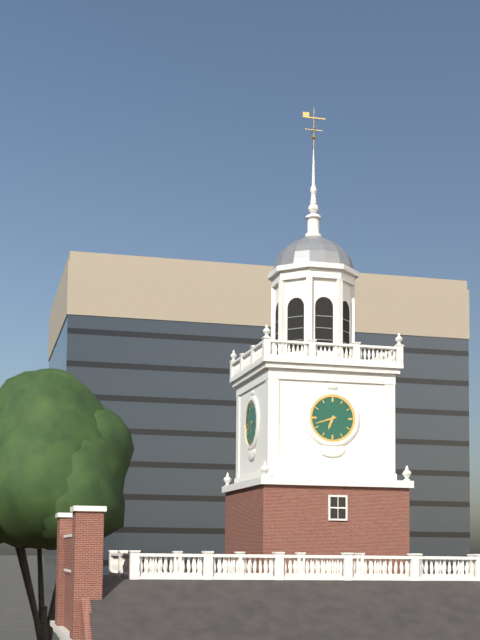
**6:42**
